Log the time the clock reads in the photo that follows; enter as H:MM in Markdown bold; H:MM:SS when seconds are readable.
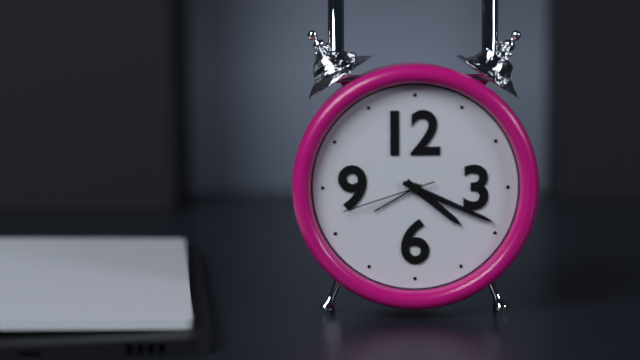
**4:19:42**
